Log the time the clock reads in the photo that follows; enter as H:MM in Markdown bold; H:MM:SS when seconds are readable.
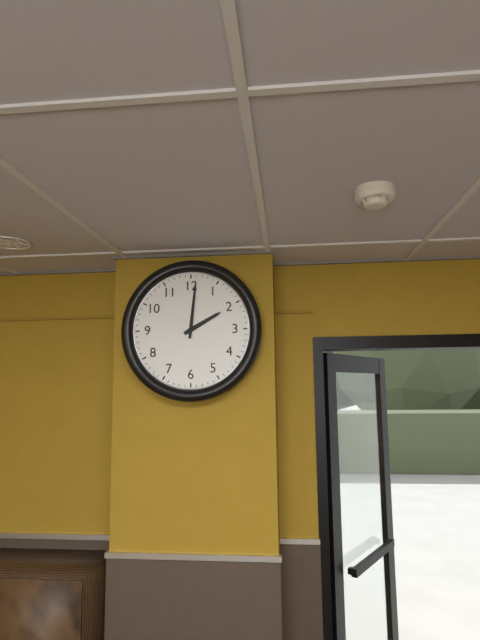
**2:01**
